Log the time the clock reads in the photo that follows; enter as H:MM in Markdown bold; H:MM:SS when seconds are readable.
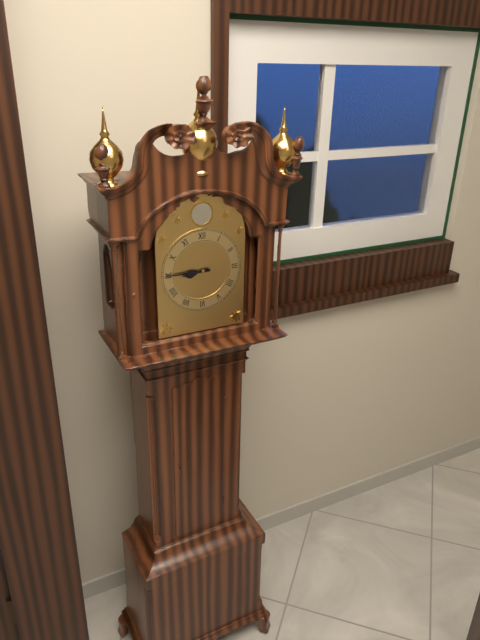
**8:45**
